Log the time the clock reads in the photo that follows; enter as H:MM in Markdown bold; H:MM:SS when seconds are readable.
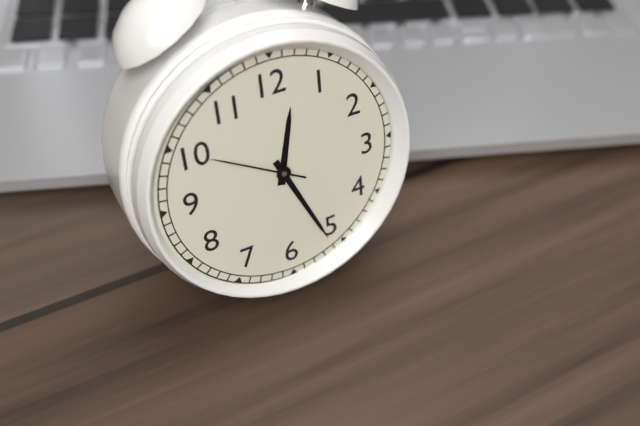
**12:26:50**
